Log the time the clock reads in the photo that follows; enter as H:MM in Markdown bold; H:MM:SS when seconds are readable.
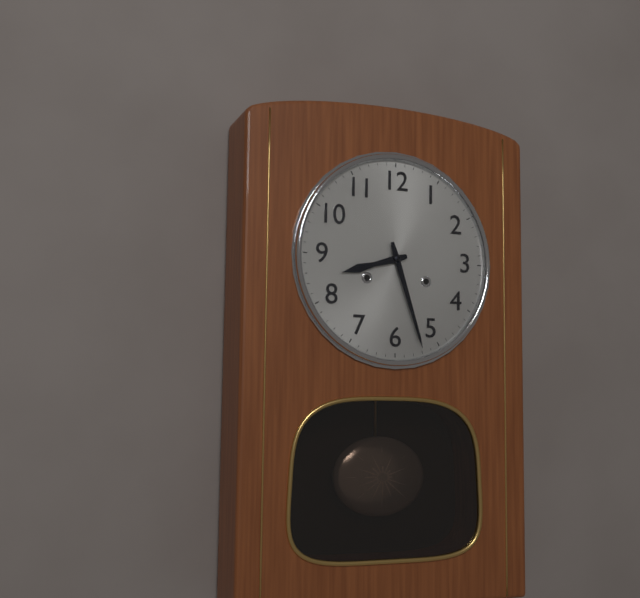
**8:27**
